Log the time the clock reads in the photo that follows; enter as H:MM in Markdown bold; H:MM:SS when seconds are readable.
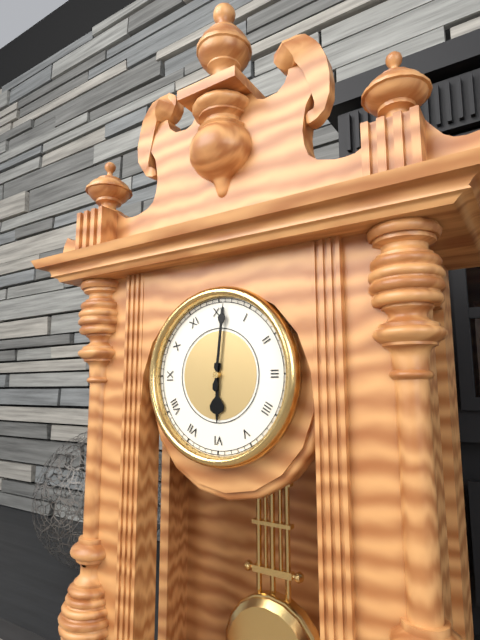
**6:01**
